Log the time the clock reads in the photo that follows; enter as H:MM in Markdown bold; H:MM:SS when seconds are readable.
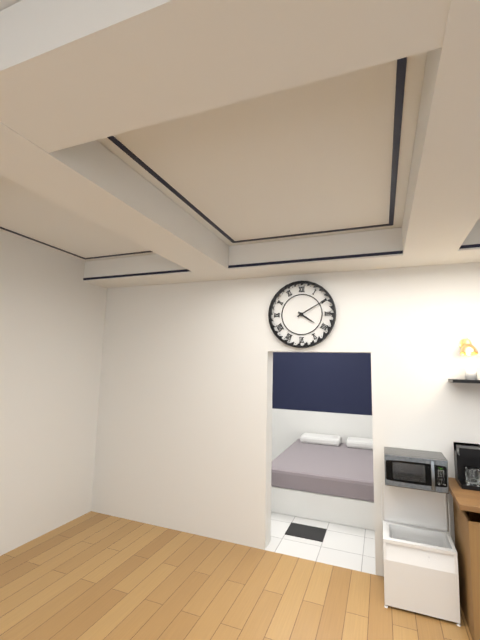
**4:10**
